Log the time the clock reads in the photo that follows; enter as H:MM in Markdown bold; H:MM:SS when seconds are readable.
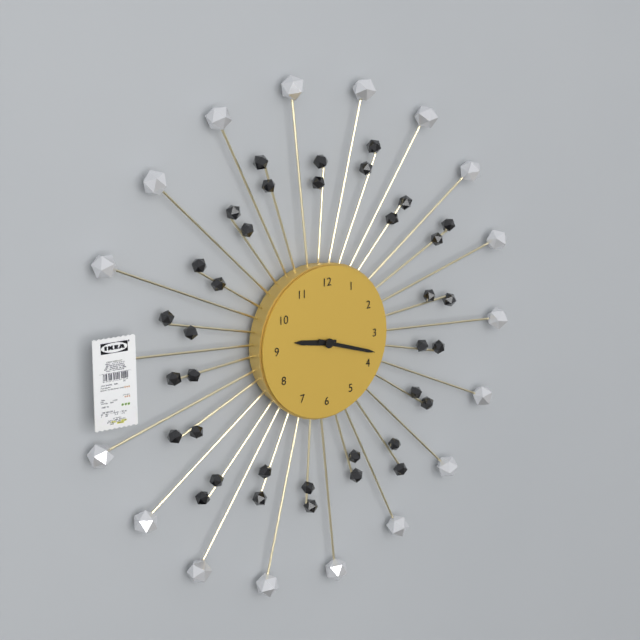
**9:18**
